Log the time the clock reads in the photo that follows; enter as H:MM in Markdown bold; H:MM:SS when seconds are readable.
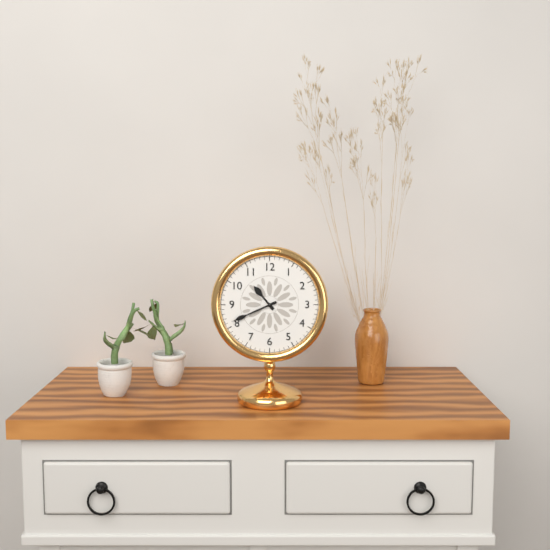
**10:41**
